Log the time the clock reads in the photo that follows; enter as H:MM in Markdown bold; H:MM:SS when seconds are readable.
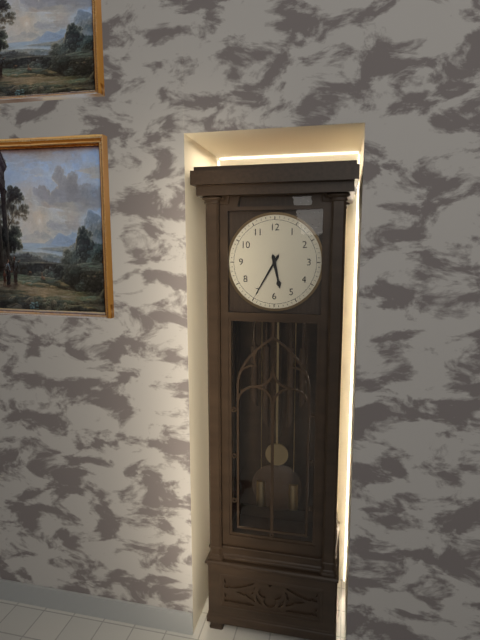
**5:35**
